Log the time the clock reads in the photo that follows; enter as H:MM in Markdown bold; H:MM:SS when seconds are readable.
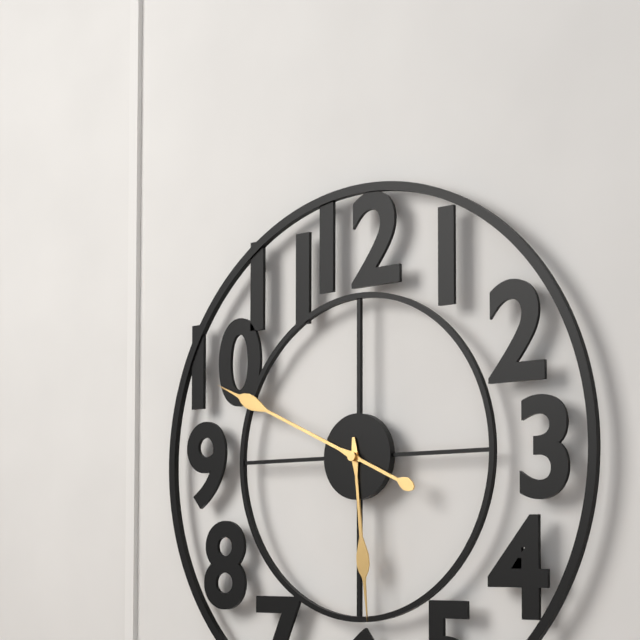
**5:49**
